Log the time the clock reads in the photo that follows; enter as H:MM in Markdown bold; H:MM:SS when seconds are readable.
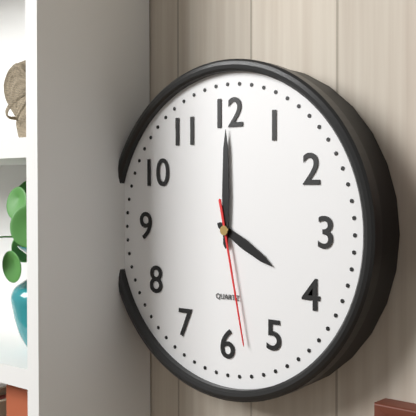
**4:00:28**
